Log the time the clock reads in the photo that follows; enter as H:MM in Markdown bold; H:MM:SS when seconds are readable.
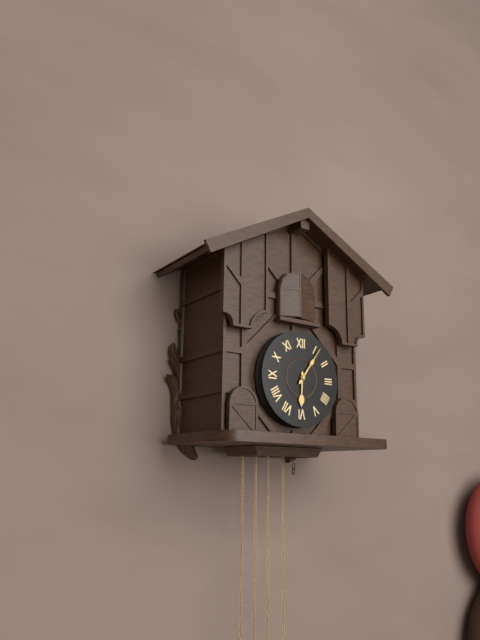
**6:06**
